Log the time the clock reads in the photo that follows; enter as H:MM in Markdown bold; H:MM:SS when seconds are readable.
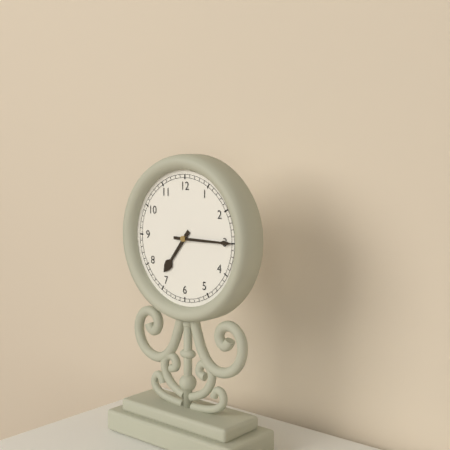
**7:15**
